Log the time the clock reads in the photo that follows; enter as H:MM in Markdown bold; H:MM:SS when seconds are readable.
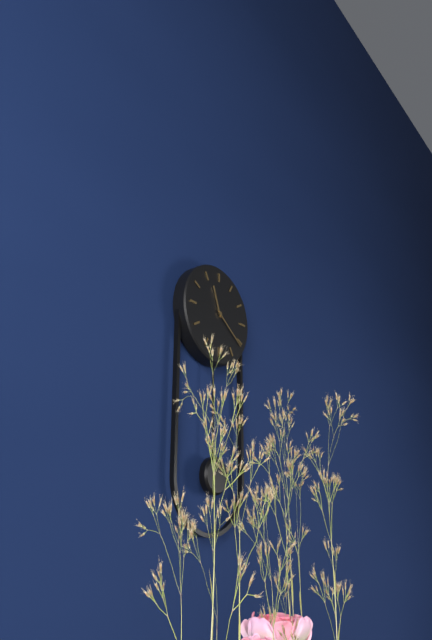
**11:21**
